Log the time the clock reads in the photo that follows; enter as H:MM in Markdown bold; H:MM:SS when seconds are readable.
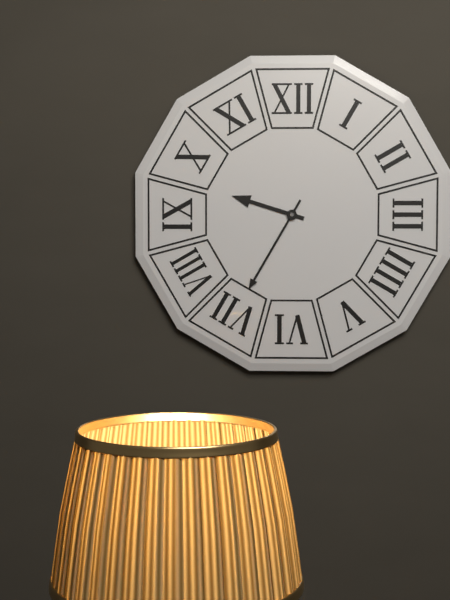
**9:35**
